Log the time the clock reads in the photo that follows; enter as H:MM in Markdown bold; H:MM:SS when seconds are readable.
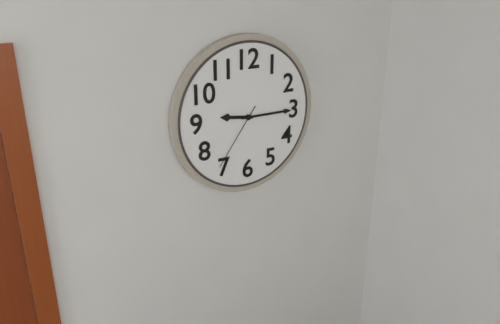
**9:15:36**
